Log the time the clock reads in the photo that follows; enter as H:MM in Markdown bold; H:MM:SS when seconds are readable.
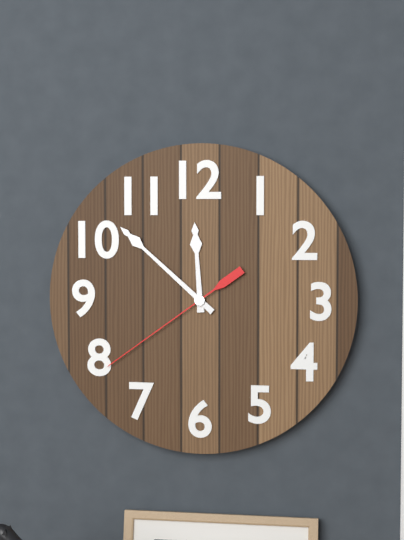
**11:52:39**
